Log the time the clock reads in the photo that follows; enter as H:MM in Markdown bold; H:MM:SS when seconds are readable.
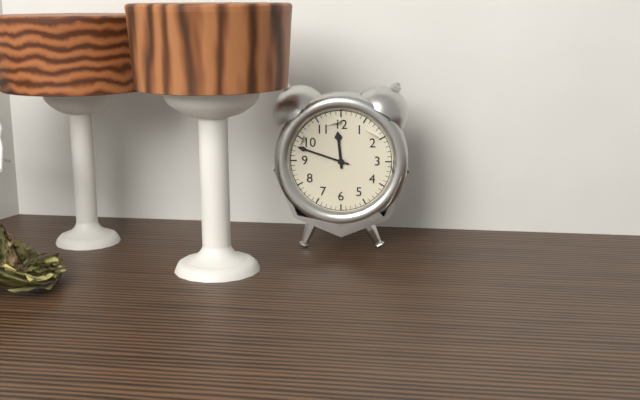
**11:48**
